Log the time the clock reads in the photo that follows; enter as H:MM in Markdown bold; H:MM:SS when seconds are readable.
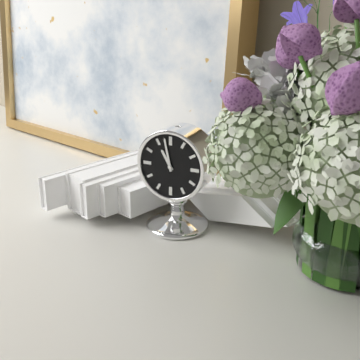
**10:58**
